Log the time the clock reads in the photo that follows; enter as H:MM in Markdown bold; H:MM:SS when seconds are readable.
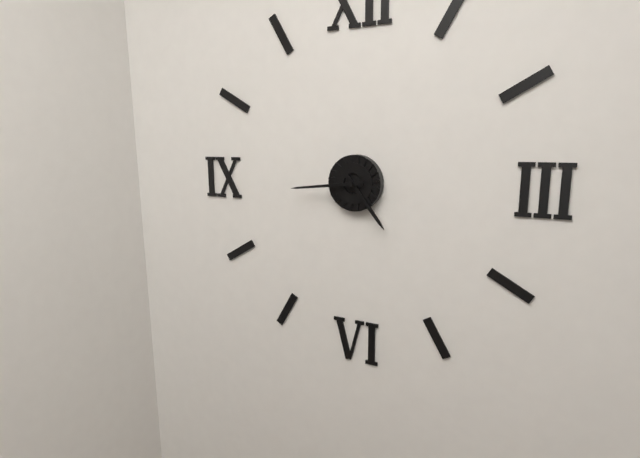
**4:44**
